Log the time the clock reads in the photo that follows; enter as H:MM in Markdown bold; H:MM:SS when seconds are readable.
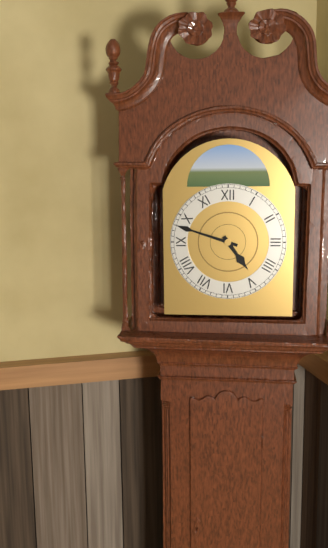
**4:48**
